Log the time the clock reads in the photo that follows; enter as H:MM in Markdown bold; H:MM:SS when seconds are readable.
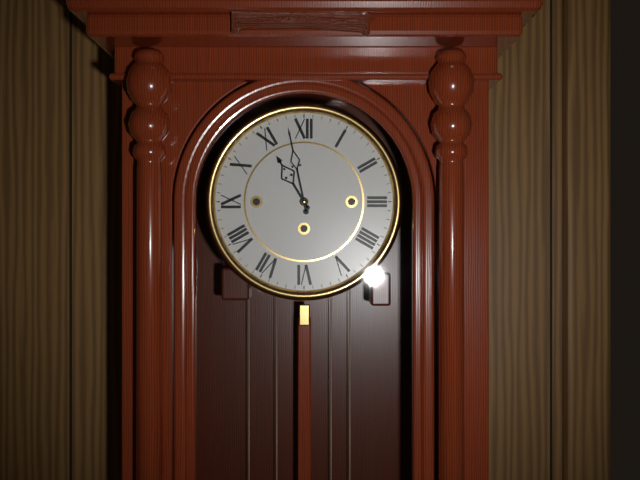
**10:58**
